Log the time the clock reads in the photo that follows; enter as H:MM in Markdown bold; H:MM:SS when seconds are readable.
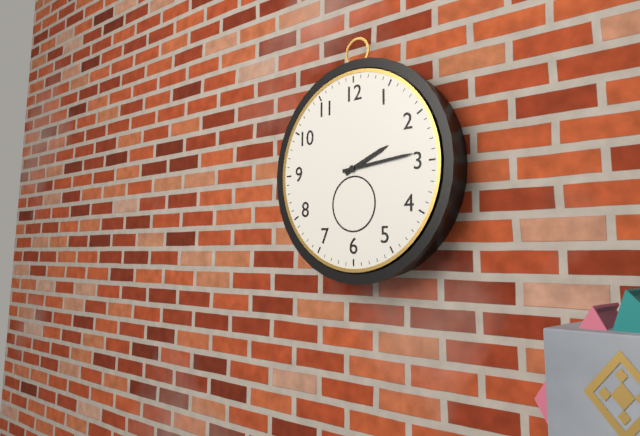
**2:14**
